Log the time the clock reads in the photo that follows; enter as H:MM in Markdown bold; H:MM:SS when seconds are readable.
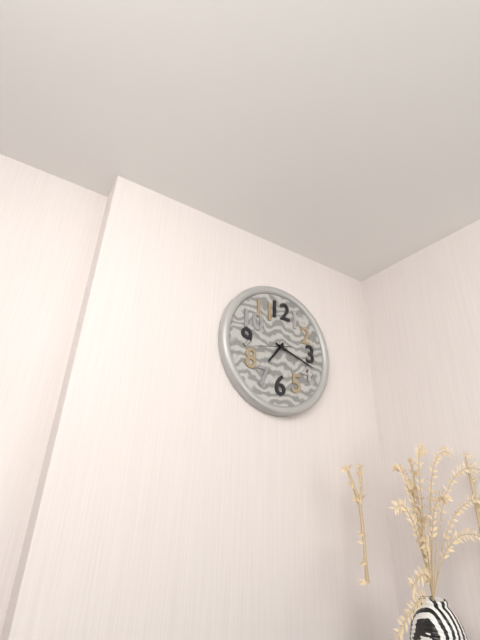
**7:18**
